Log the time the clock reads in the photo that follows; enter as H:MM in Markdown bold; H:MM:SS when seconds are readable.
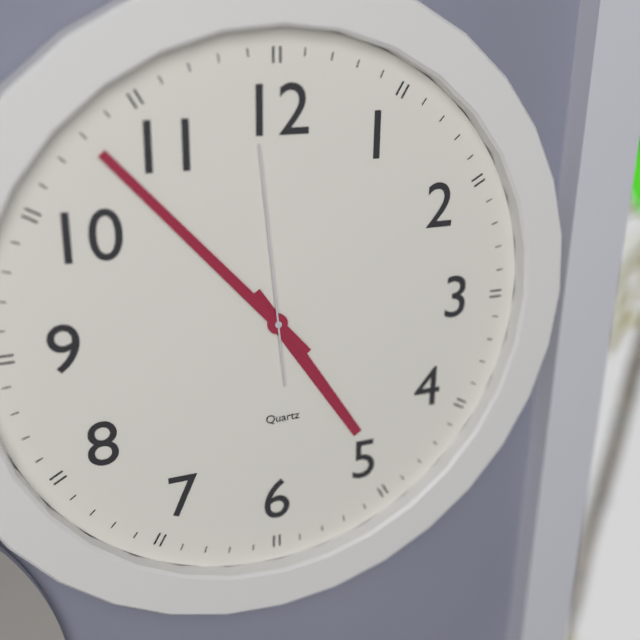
**4:53:59**
